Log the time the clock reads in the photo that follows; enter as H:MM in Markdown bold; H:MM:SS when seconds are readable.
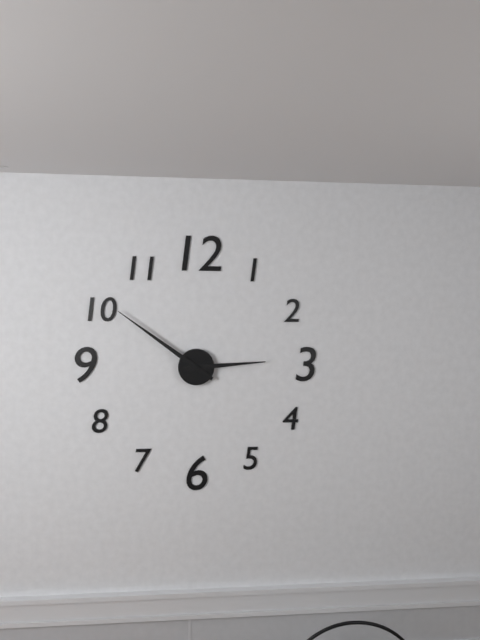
**2:51**
